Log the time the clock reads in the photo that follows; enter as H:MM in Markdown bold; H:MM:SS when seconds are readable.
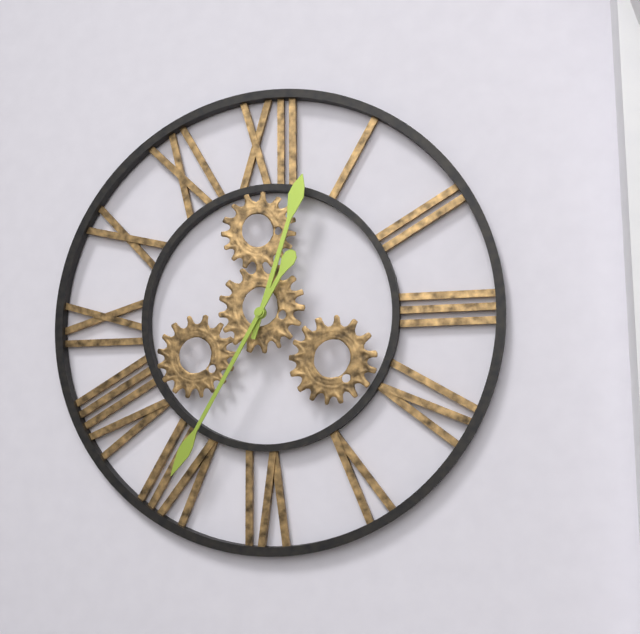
**12:35**
